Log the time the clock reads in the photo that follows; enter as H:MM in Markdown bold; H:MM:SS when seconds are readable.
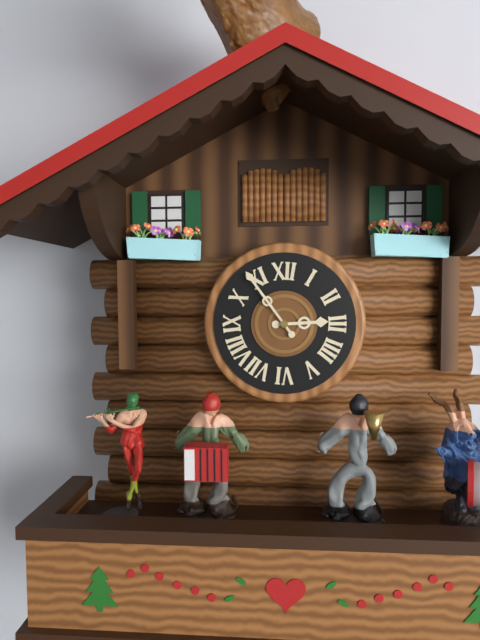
**2:54**
